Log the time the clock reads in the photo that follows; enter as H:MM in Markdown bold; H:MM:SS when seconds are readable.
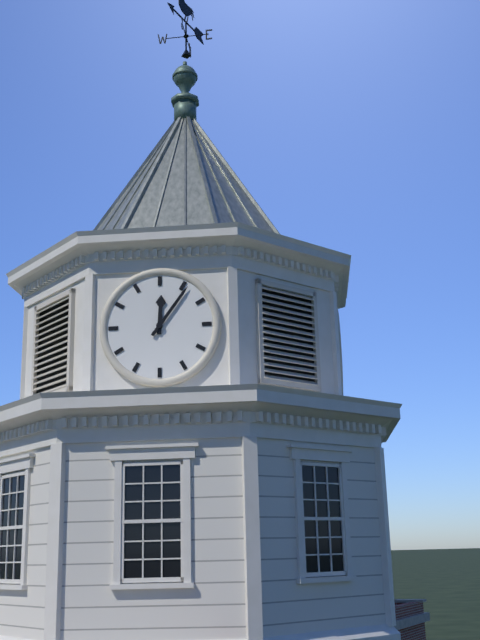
**12:06**
